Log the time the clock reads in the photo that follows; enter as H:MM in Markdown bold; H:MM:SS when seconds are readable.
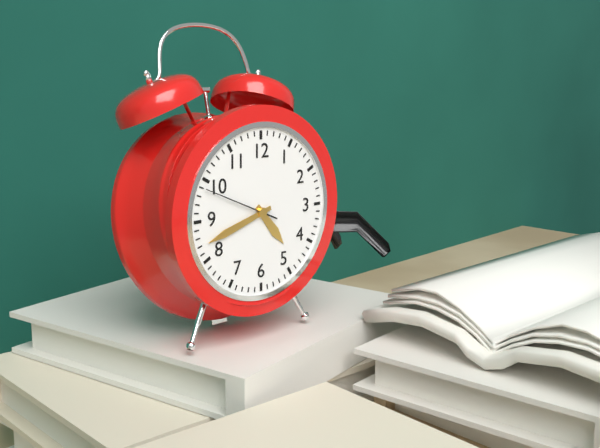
**4:42:49**
